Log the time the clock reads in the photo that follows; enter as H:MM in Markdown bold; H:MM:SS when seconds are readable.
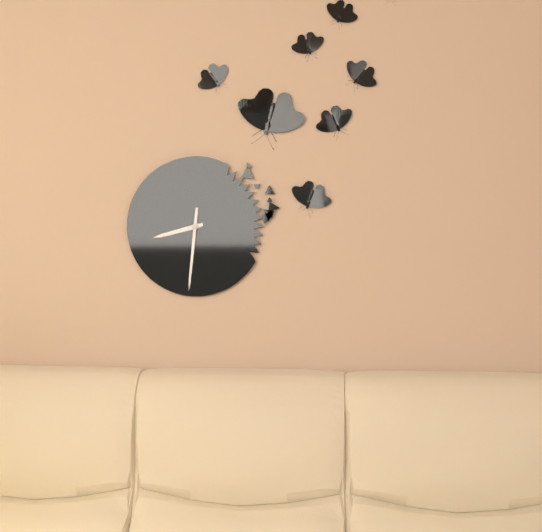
**8:31**
